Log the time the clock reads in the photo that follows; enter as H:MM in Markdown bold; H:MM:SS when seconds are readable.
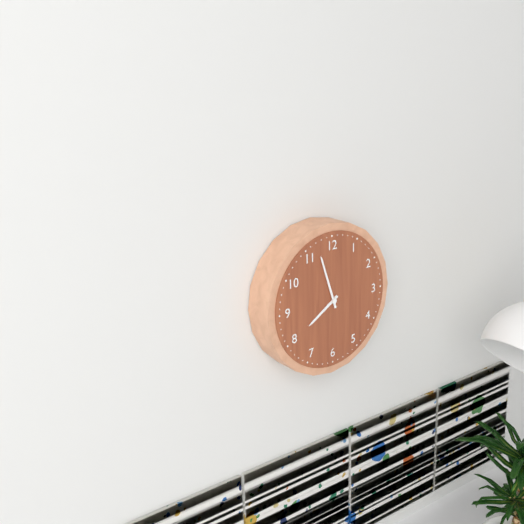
**7:57**
